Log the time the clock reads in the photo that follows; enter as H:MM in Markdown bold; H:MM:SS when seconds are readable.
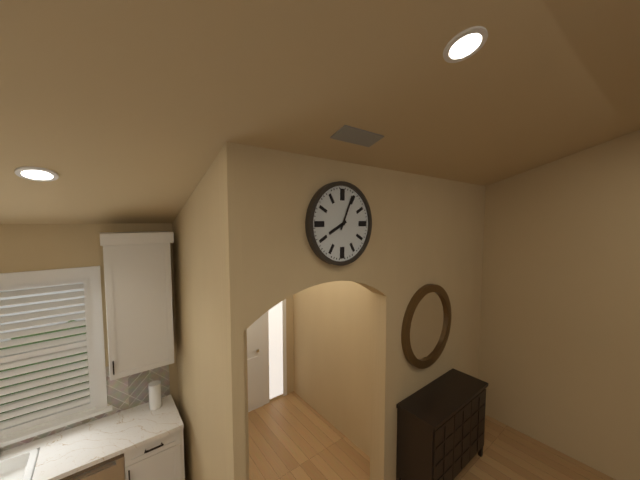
**8:04**
